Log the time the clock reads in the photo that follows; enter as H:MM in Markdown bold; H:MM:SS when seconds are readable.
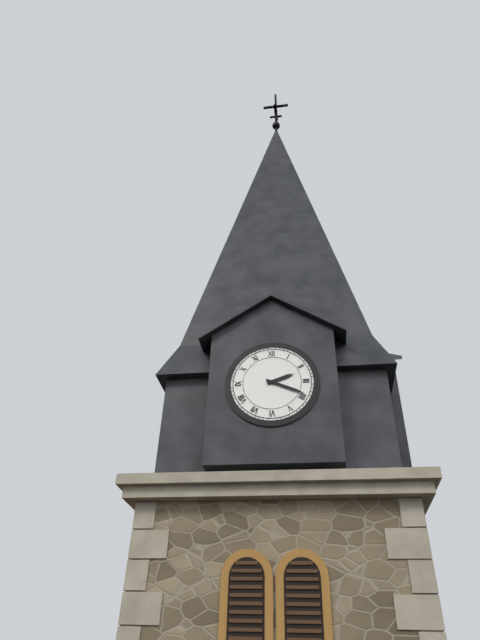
**2:19**
